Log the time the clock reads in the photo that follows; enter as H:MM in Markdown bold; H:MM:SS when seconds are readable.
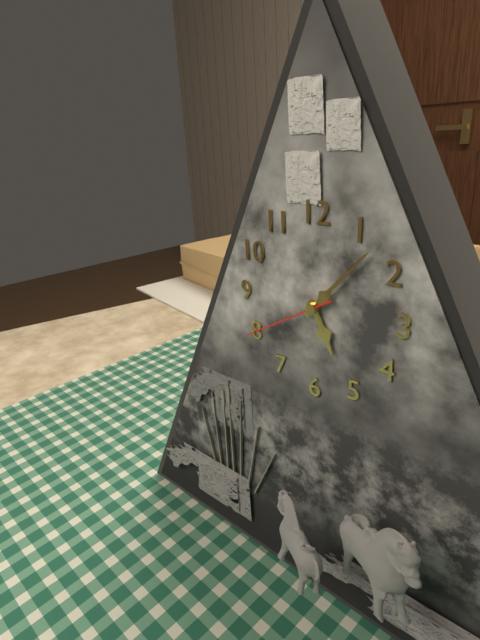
**5:07:40**
